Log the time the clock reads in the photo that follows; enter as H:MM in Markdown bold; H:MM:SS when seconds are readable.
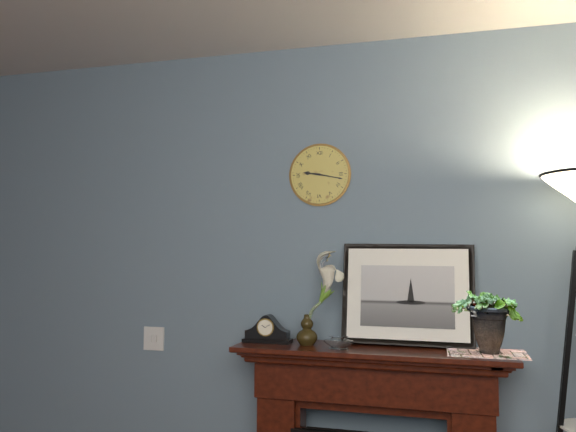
**9:17**
